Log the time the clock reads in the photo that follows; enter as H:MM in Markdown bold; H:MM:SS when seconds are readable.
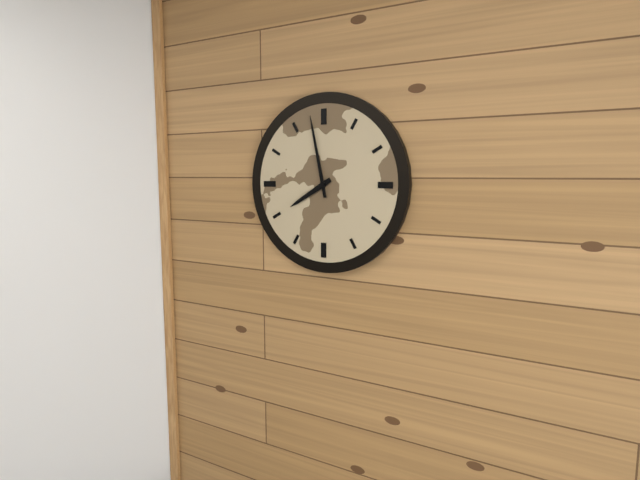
**7:58**
